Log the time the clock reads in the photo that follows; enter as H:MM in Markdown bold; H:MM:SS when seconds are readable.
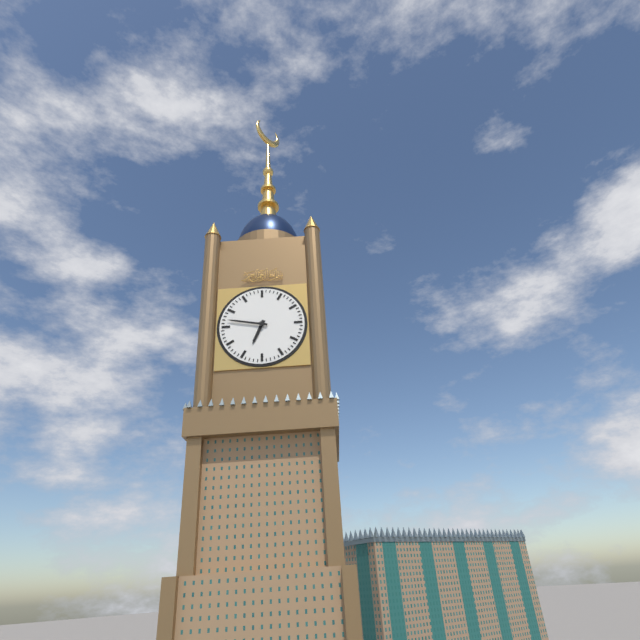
**6:47**
